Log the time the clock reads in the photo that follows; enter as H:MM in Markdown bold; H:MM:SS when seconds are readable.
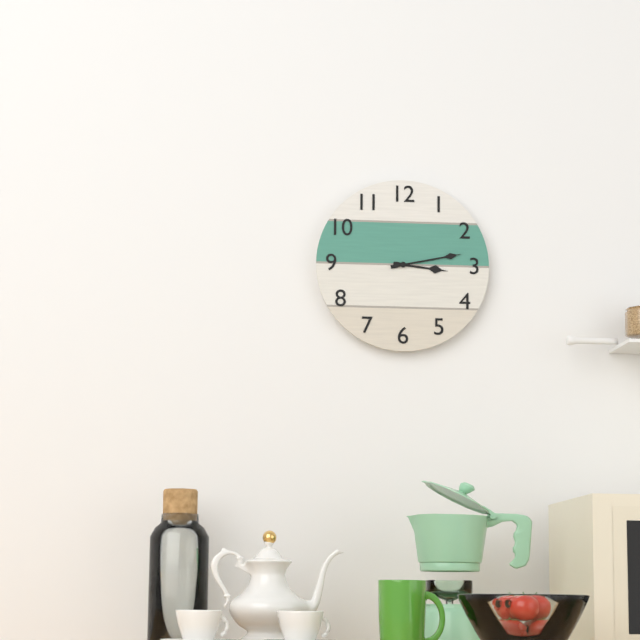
**3:13**
